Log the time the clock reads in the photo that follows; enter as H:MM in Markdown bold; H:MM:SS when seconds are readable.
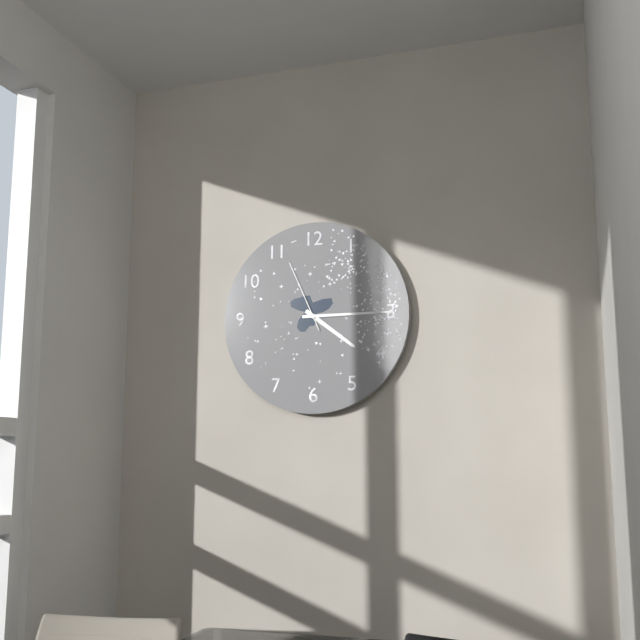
**4:15:56**
